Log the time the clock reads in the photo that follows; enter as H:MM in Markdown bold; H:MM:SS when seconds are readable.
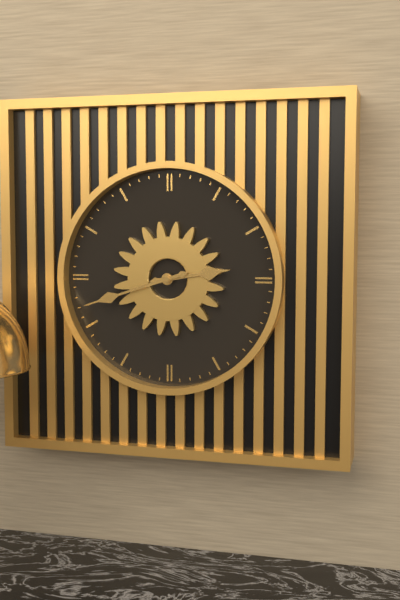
**2:42**
